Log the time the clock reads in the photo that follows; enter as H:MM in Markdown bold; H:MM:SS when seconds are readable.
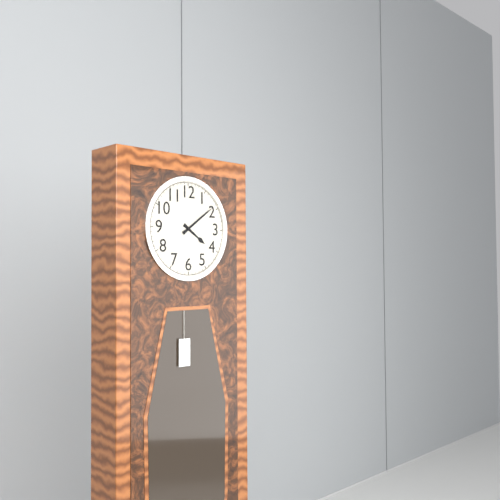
**4:09**
